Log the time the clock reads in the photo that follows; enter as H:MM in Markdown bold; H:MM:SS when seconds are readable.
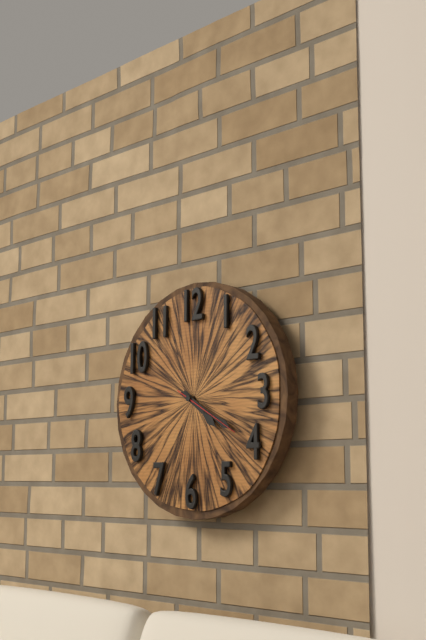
**4:20**
